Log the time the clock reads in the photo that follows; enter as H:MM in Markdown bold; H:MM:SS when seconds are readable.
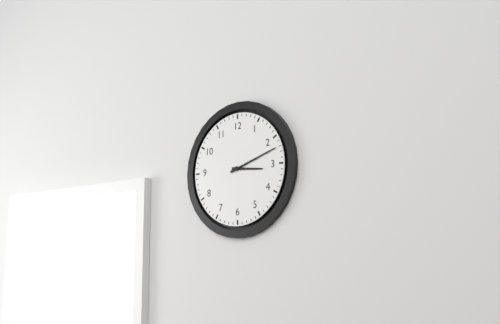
**3:12**
